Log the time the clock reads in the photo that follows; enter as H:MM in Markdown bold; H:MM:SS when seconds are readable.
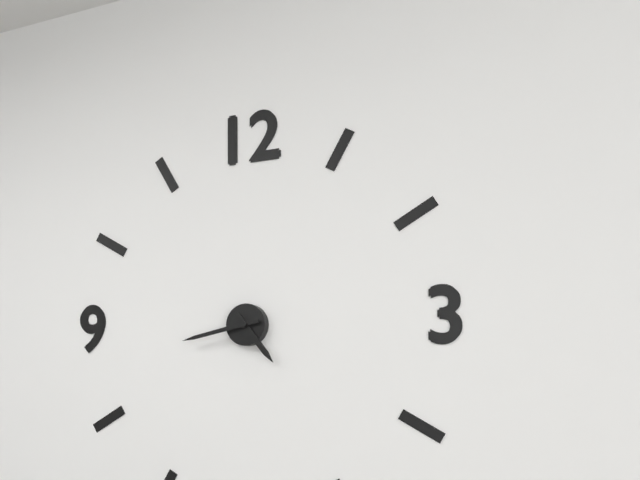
**4:43**
